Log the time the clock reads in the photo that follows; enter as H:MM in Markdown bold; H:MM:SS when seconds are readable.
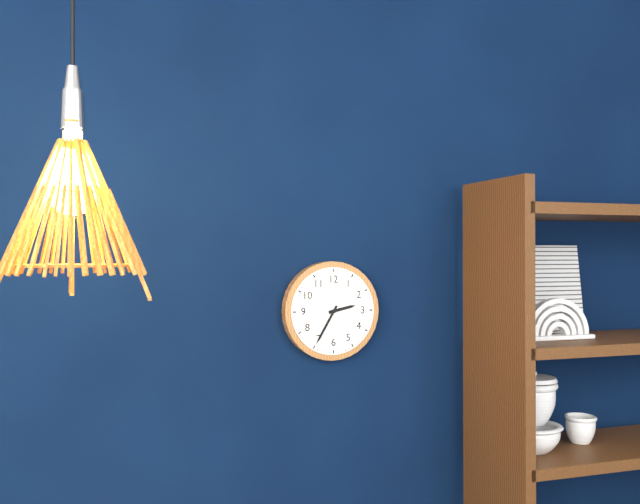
**2:35**
